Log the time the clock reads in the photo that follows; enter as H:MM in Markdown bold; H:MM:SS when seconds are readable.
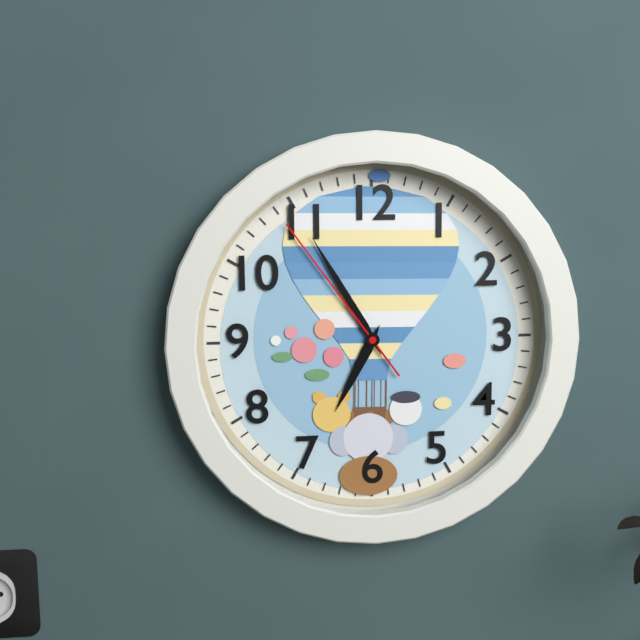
**6:55:54**
